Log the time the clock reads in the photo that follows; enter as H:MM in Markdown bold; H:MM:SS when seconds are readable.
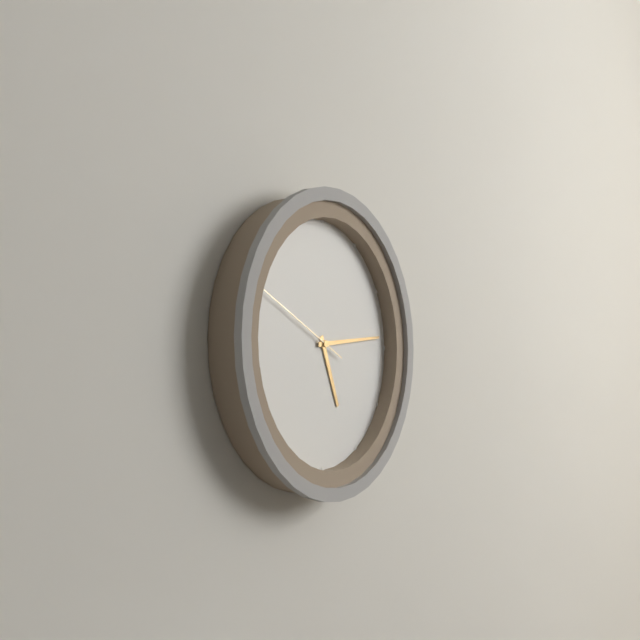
**5:14:49**
